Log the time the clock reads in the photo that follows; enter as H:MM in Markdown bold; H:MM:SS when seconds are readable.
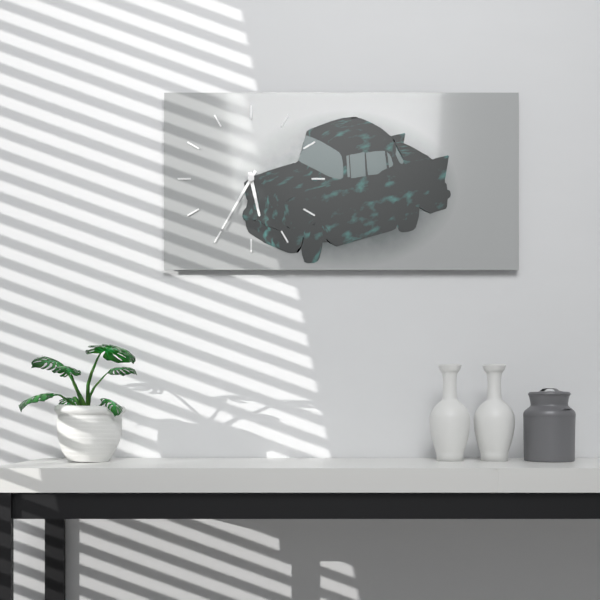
**5:35**
